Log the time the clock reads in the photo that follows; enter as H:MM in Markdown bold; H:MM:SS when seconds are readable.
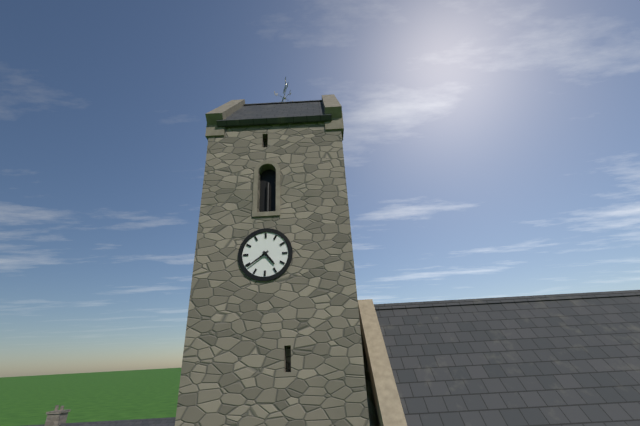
**4:39**
